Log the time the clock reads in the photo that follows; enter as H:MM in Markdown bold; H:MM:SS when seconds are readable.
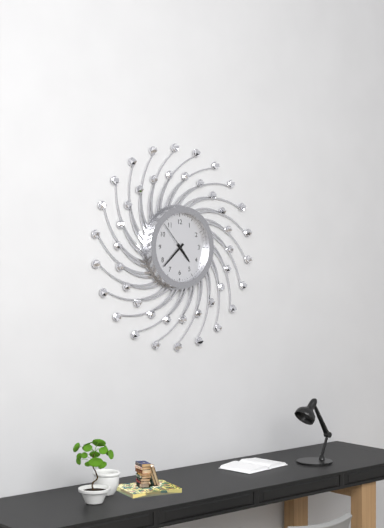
**4:38**
